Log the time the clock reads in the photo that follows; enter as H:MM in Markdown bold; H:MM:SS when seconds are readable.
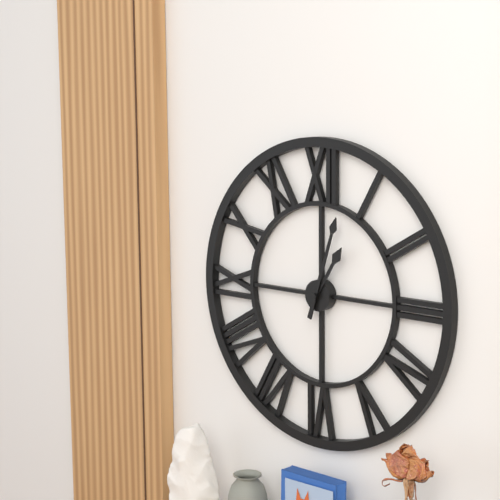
**1:03**
